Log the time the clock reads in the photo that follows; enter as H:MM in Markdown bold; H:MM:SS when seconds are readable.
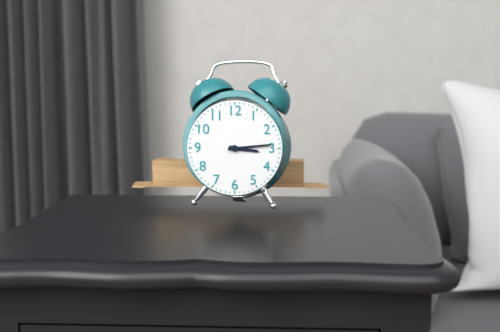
**3:14**
